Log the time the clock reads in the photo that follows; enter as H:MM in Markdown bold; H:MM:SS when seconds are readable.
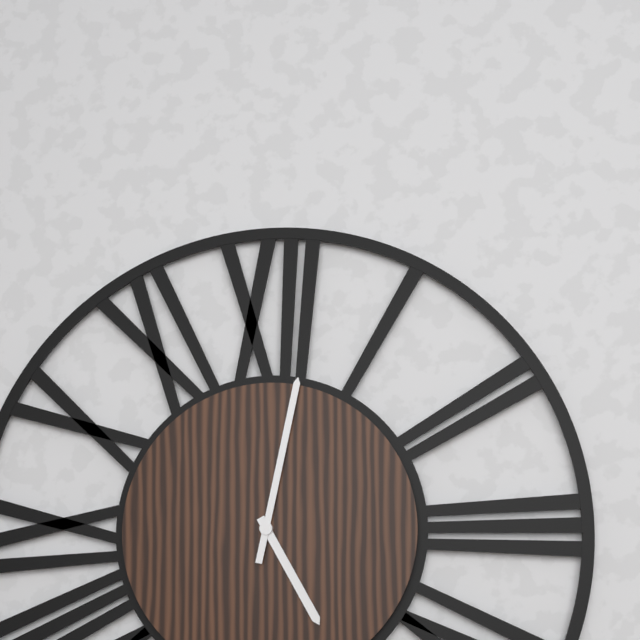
**5:02**
